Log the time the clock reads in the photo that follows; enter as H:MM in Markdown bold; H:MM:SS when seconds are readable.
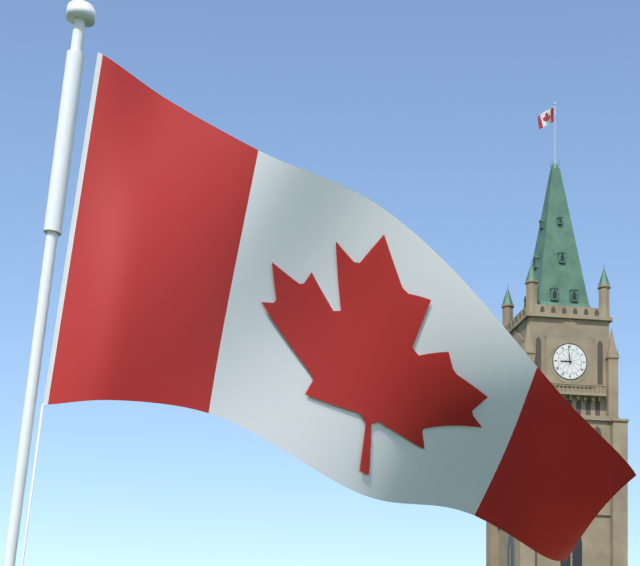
**8:59**
